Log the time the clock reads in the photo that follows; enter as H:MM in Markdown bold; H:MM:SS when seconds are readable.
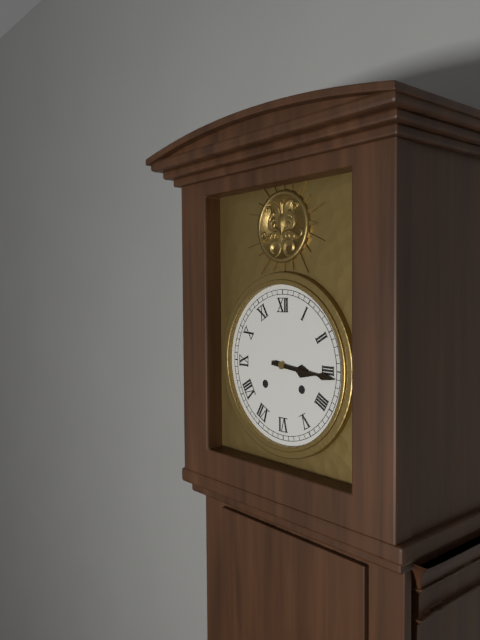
**3:16**
